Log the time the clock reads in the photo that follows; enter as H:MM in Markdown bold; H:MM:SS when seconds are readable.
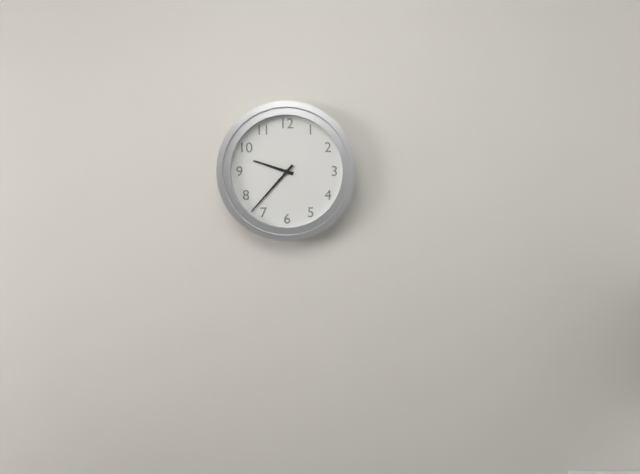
**9:37**
